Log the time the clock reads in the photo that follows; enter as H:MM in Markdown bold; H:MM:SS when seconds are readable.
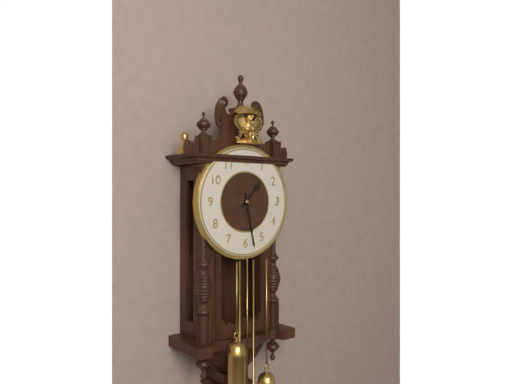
**1:28**
